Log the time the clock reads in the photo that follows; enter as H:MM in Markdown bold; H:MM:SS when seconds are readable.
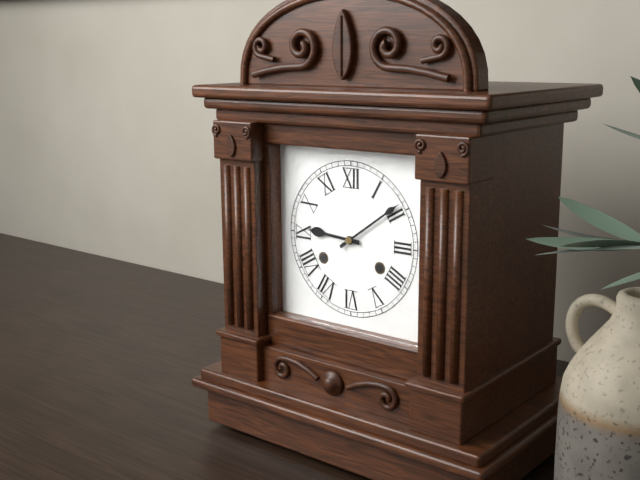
**9:09**
